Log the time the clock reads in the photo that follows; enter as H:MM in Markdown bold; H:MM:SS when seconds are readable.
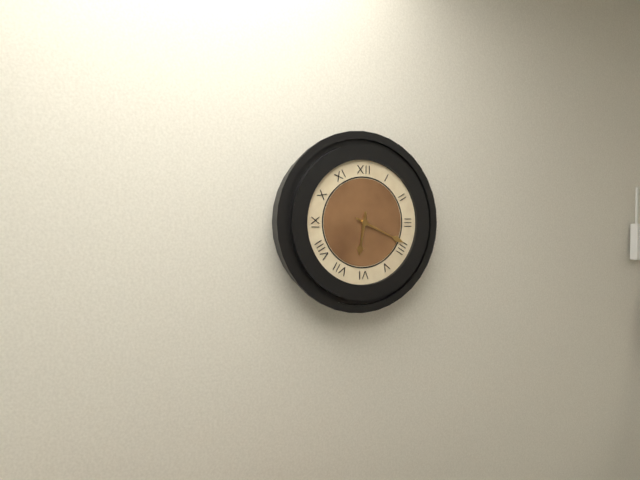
**6:19**
